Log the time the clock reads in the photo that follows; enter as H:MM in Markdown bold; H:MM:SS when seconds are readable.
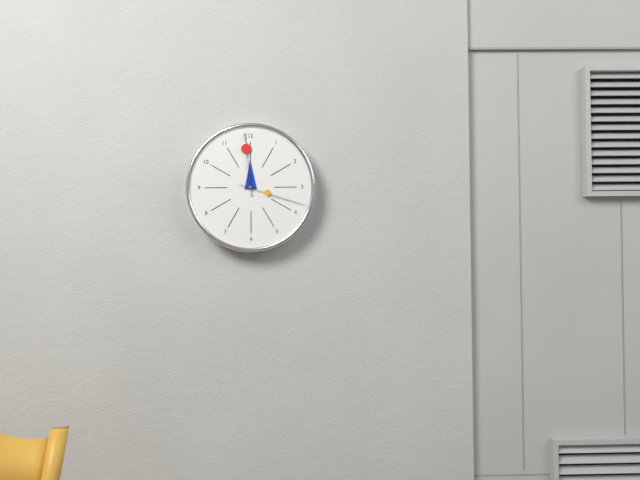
**11:59:18**
